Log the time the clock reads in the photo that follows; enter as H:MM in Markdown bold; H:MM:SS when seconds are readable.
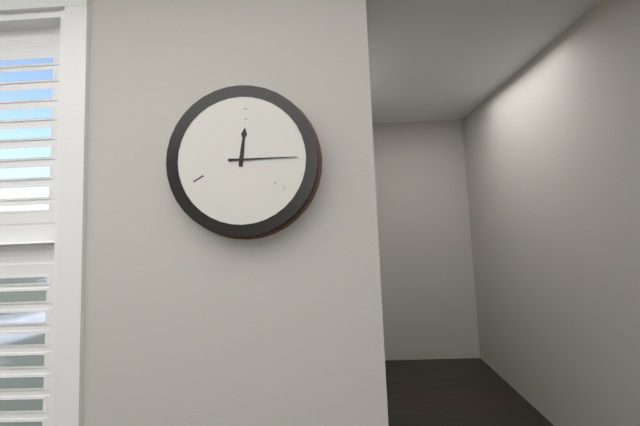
**12:15**
